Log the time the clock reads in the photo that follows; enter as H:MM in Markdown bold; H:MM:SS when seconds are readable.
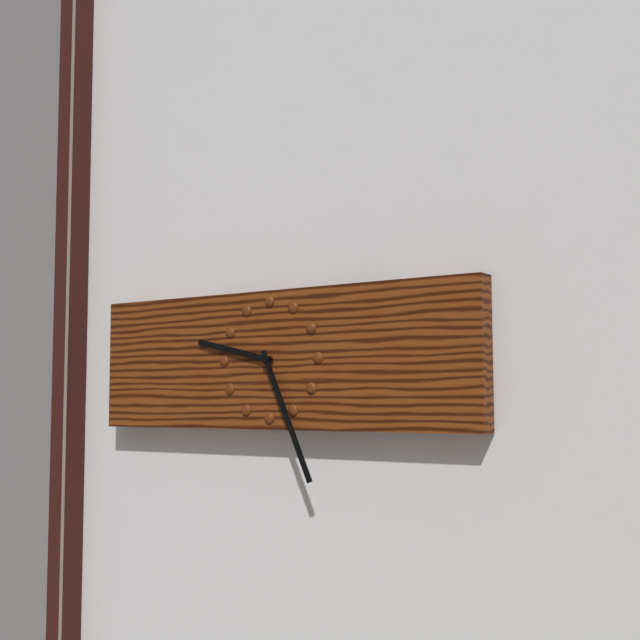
**9:26**
